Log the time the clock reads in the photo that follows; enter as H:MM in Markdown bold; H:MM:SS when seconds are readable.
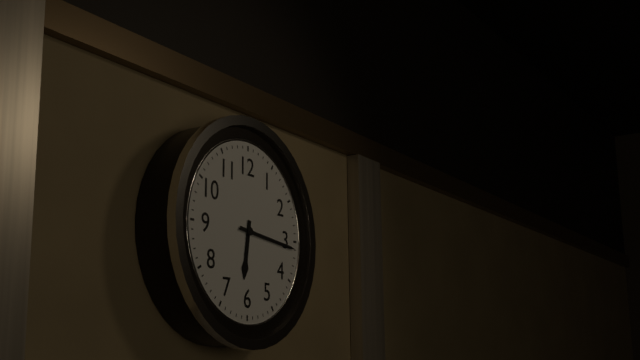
**6:16**
